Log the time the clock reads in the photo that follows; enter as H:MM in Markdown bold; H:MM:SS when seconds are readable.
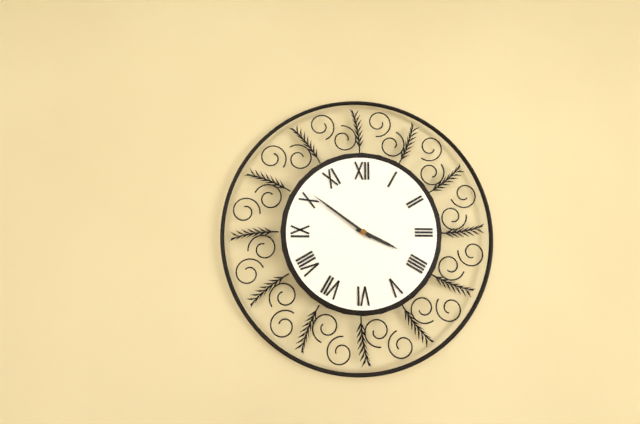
**3:51**
